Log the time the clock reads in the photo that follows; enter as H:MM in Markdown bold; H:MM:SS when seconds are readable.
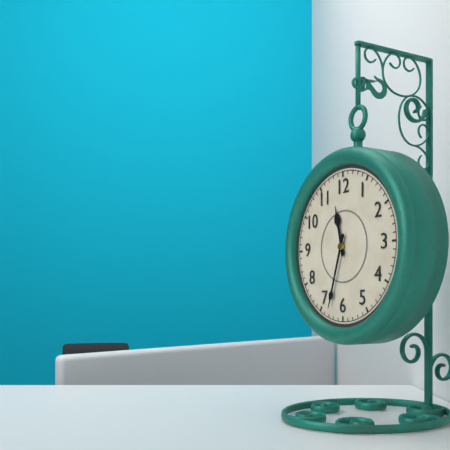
**11:33**
